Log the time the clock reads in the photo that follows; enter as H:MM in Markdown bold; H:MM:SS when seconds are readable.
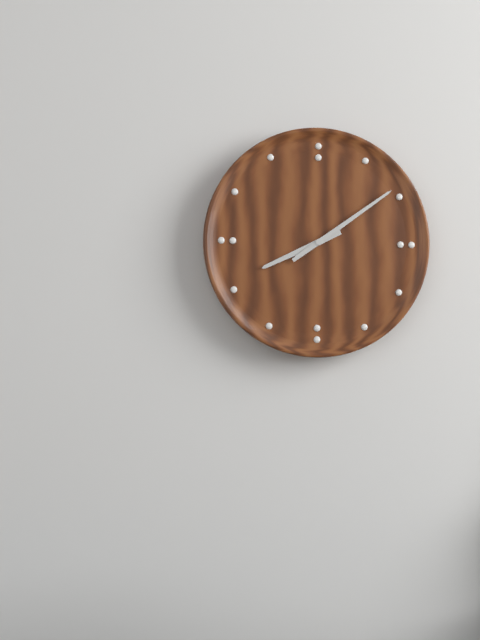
**8:09**
